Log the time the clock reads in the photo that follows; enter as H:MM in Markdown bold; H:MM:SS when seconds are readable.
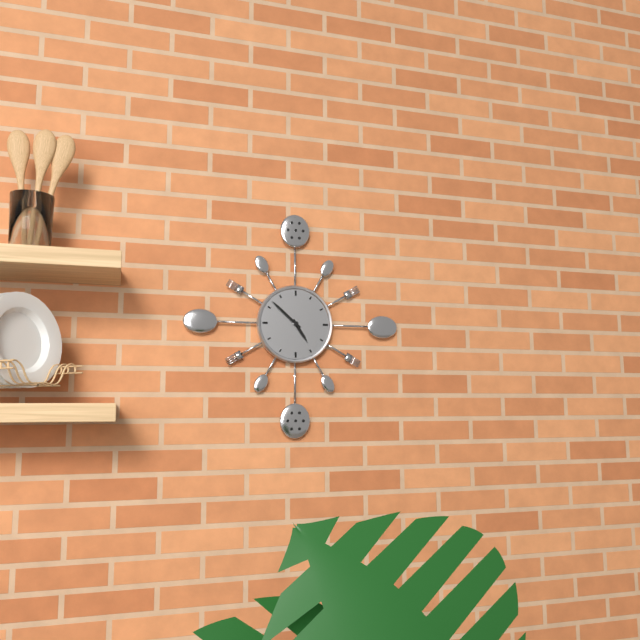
**4:52**
